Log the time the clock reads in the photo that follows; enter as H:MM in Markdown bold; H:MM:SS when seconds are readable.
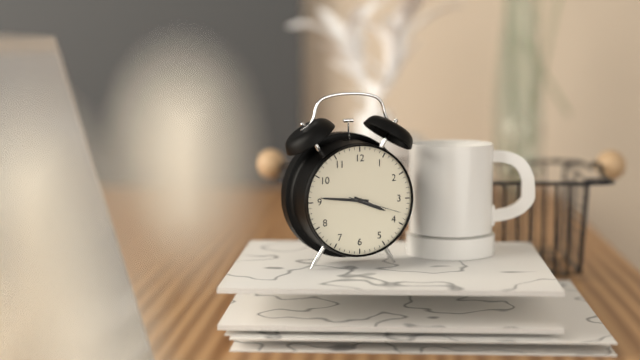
**3:46:18**
